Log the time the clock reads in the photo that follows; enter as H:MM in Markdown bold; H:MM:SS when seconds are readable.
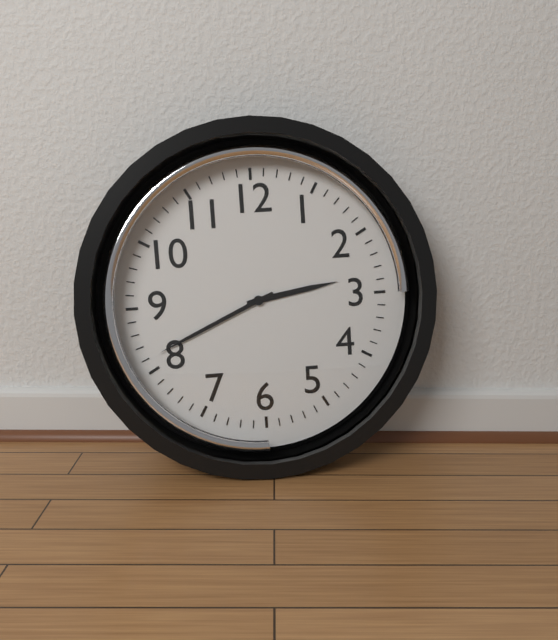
**2:41**
